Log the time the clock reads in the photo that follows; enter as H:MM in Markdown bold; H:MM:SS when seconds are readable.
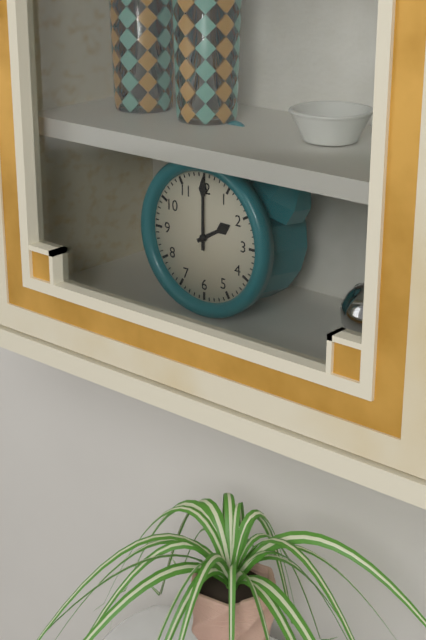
**2:00**
